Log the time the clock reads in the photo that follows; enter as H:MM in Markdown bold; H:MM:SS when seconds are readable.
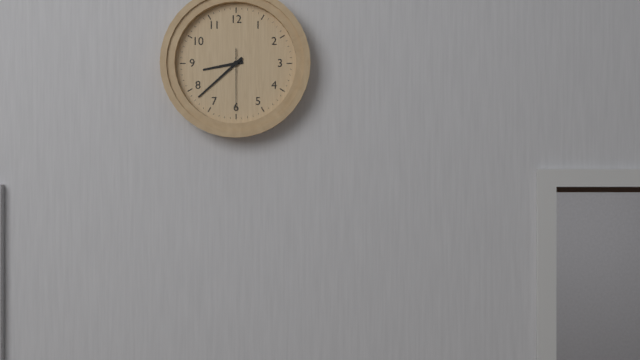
**8:38:30**
